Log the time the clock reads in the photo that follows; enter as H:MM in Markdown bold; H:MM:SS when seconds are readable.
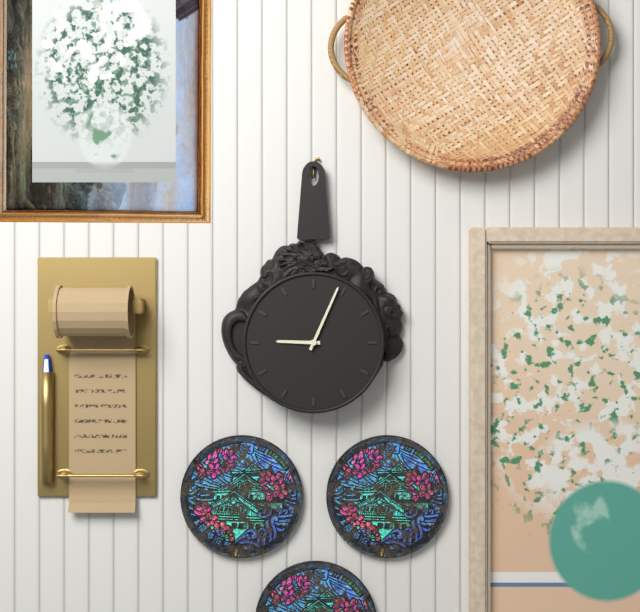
**9:04**
